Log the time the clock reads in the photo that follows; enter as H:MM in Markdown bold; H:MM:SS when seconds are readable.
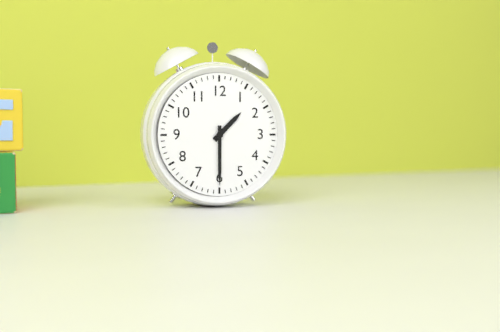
**1:30**
